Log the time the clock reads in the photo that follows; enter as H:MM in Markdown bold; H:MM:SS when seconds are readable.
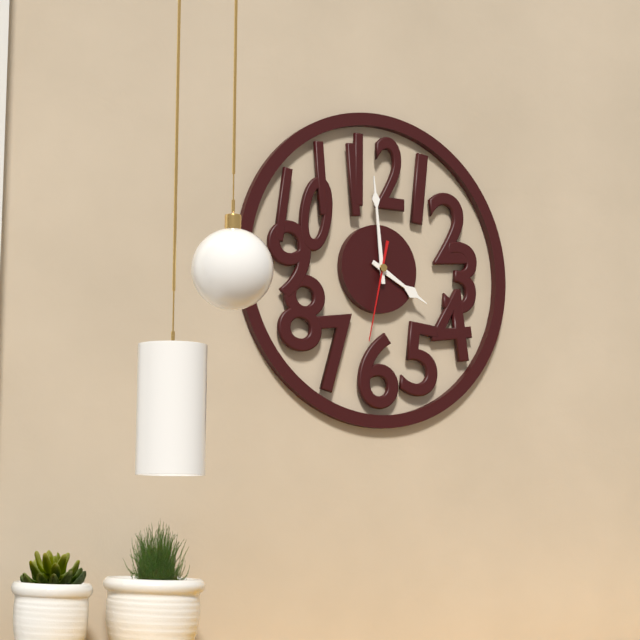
**3:59:32**
